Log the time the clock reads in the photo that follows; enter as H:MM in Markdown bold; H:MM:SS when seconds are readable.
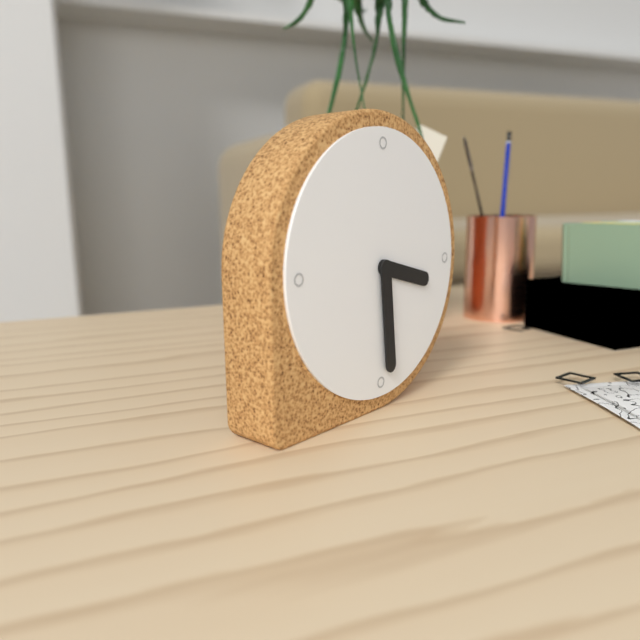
**3:29**
